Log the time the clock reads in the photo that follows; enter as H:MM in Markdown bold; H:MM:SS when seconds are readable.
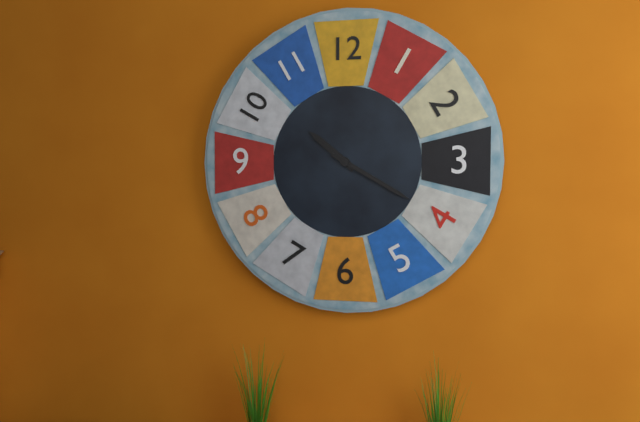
**10:20**
